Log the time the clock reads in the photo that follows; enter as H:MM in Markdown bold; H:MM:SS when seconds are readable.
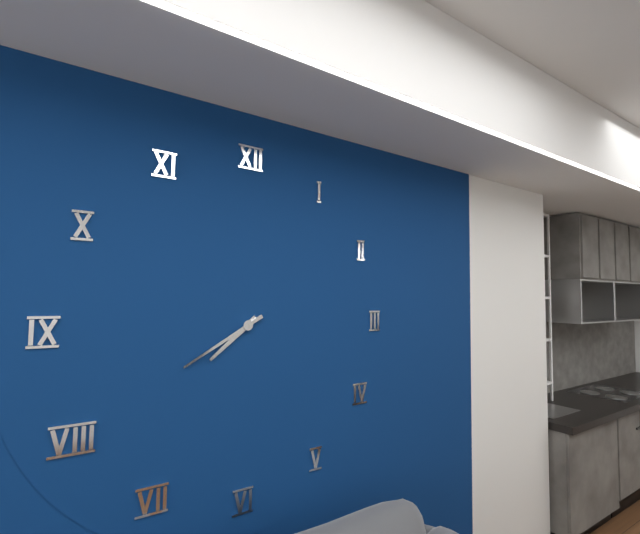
**7:40**
